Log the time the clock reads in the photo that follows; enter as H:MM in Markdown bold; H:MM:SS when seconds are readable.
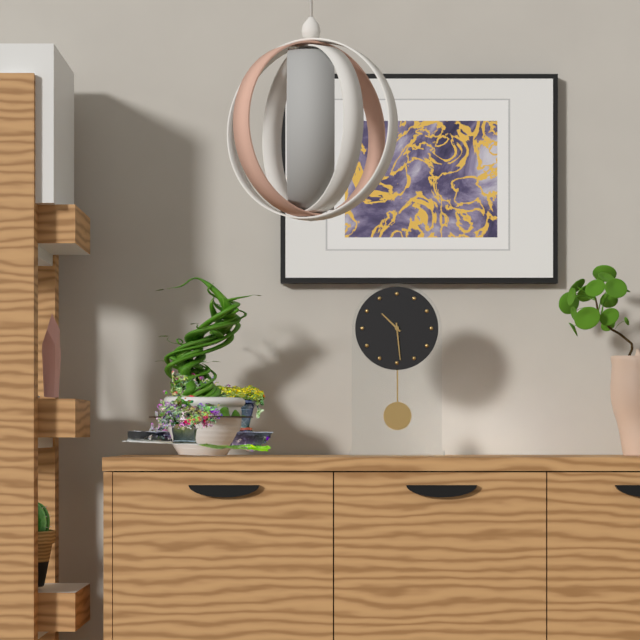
**10:29**
